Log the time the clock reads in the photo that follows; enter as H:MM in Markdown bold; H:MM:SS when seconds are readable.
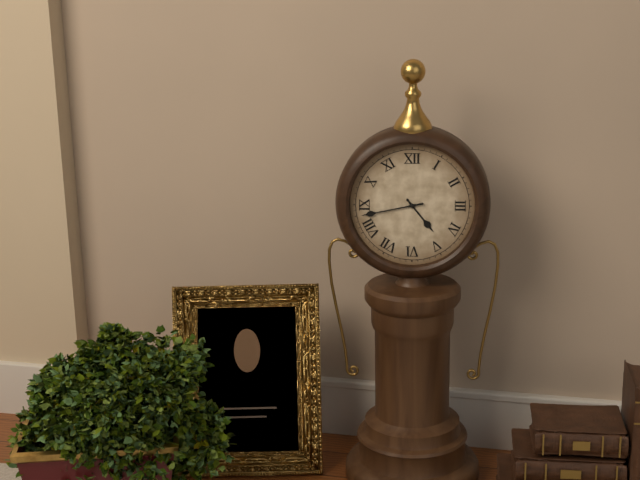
**4:43**
